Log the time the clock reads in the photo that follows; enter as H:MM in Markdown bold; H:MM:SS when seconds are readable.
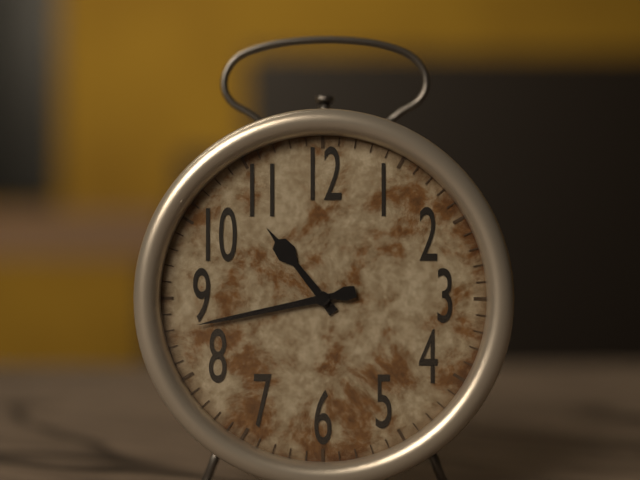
**10:43**
